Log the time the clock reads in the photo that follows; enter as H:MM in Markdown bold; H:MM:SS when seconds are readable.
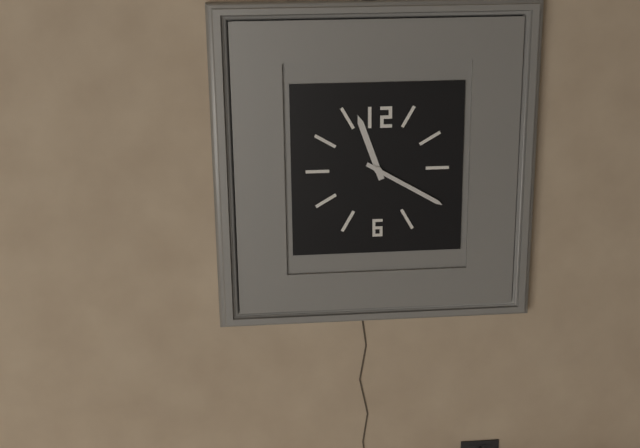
**11:20**
